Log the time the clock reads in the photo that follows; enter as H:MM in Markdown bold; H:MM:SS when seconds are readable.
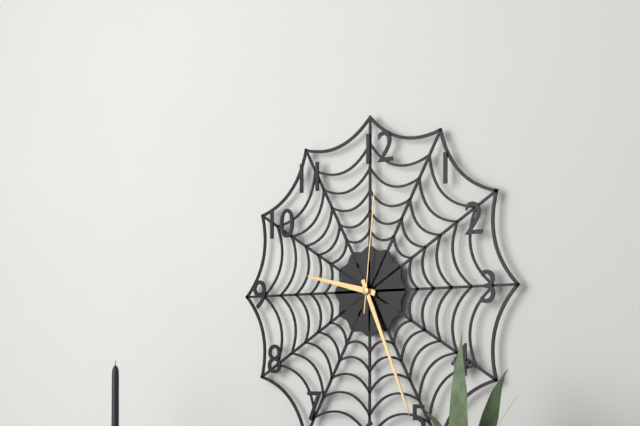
**9:26:01**
